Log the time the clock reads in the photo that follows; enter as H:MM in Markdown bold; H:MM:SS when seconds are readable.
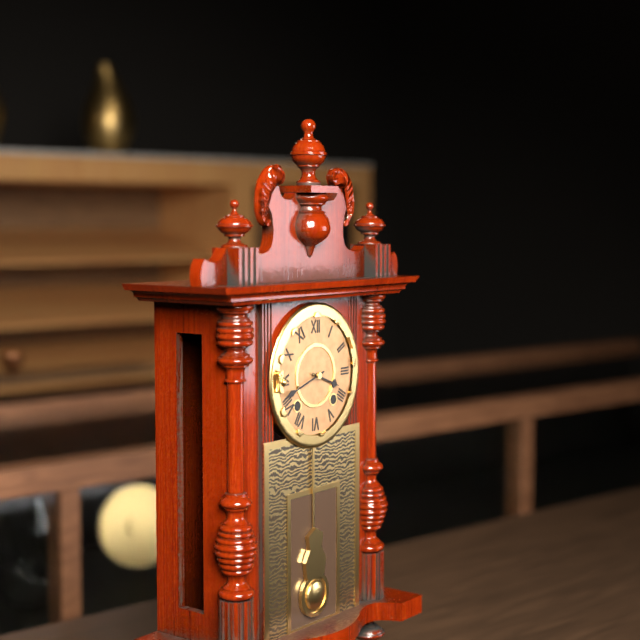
**3:42**
